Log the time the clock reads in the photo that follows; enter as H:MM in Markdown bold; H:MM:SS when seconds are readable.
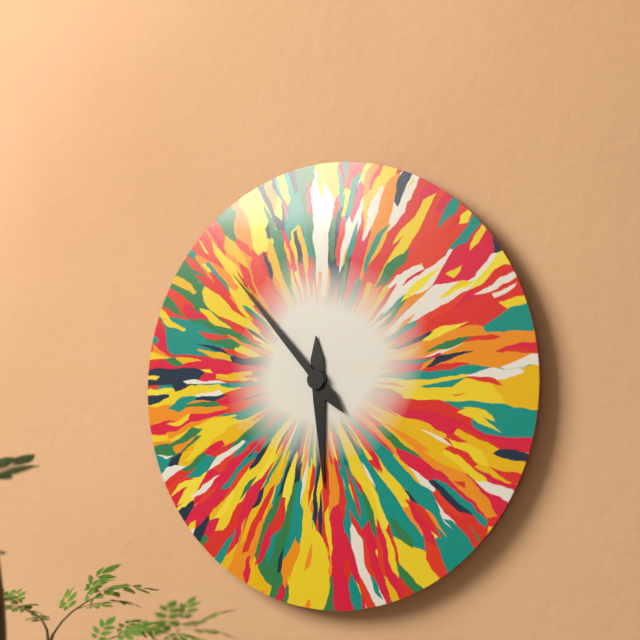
**5:53**
